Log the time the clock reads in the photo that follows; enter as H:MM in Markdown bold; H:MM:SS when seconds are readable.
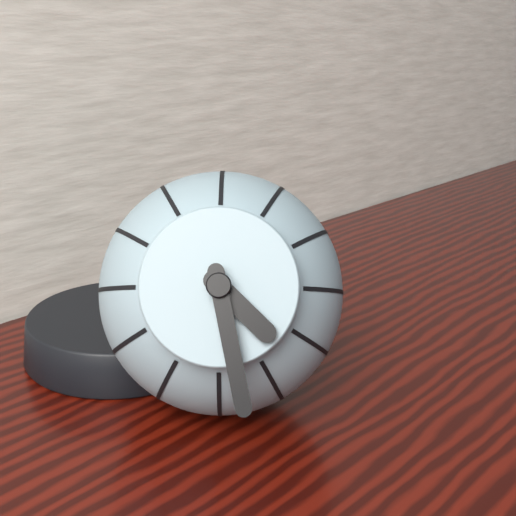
**4:28**
